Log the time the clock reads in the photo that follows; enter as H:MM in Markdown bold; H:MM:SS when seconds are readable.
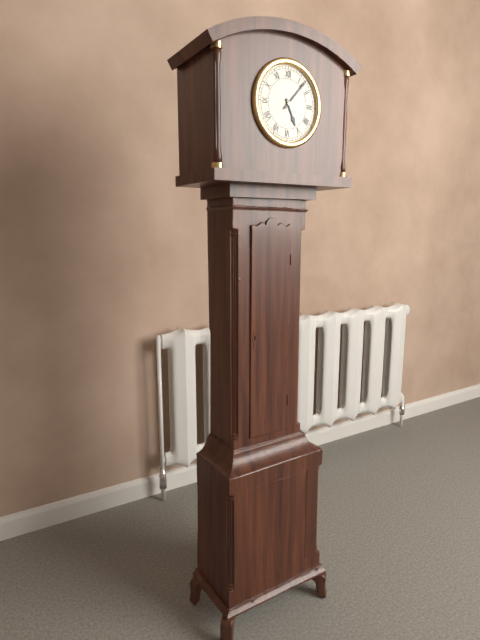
**5:07**
